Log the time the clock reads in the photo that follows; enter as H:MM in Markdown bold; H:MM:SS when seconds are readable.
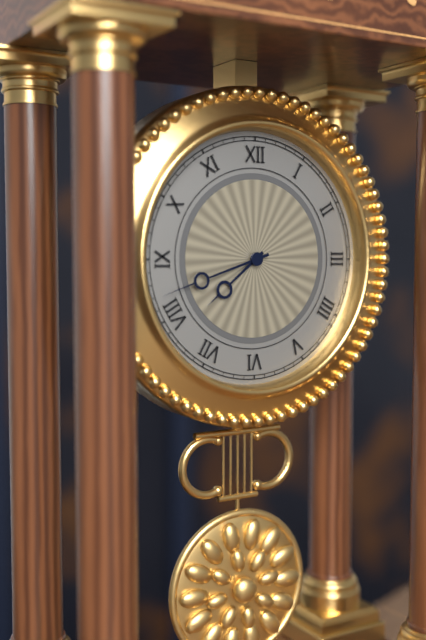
**7:42**
